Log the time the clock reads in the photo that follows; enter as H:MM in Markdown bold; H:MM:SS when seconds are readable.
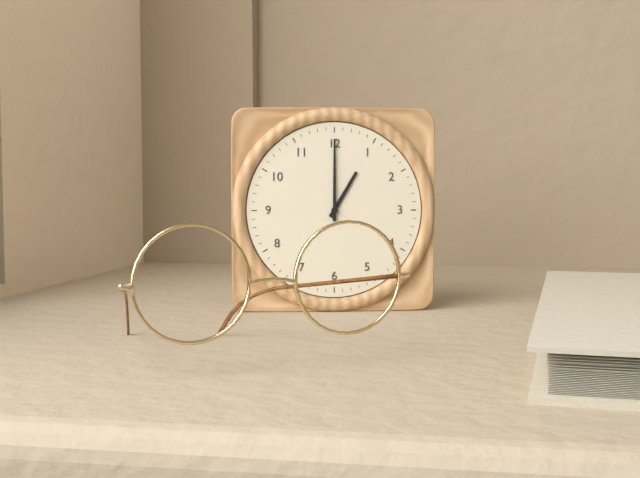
**1:00**
